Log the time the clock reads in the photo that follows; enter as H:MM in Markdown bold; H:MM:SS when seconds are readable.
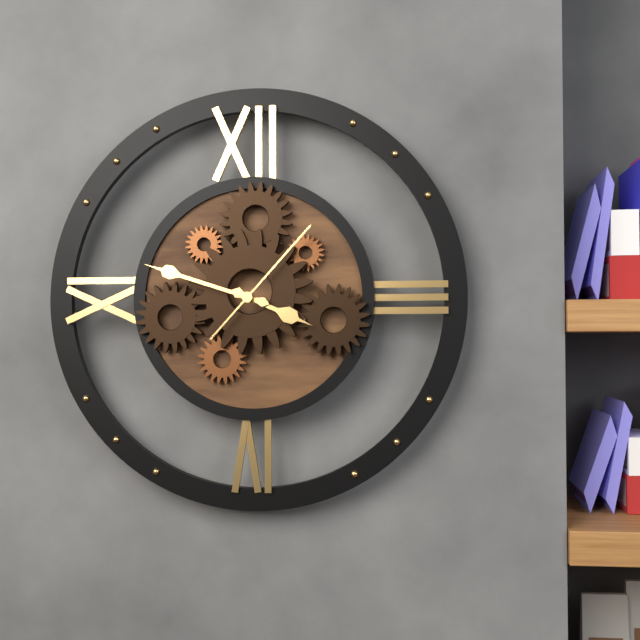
**3:48:07**
